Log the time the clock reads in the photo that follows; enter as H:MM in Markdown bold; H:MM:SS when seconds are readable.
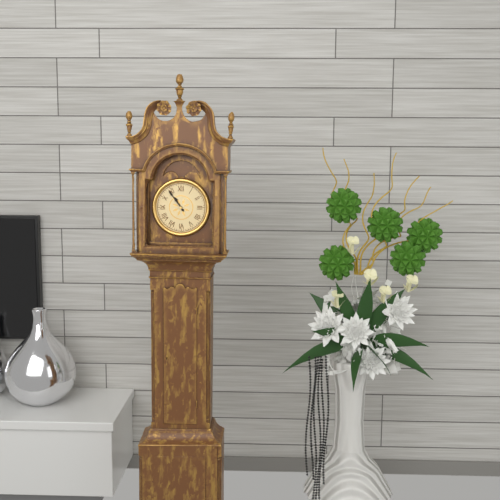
**10:54**
